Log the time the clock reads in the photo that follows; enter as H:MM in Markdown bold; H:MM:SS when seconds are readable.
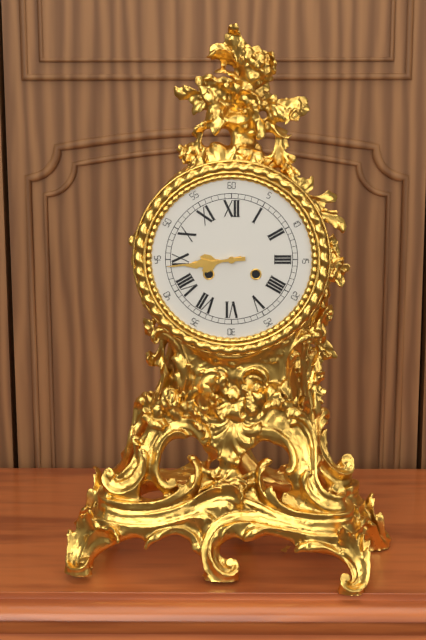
**8:44**
